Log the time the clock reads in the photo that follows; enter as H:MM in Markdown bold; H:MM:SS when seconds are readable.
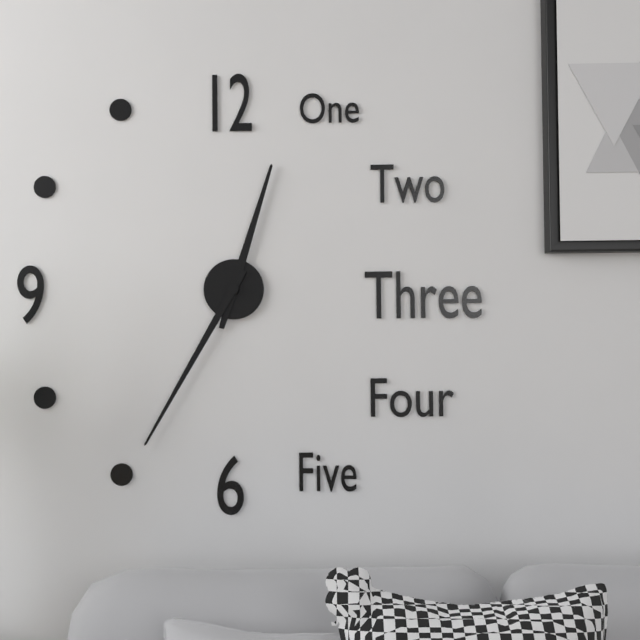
**12:35**
